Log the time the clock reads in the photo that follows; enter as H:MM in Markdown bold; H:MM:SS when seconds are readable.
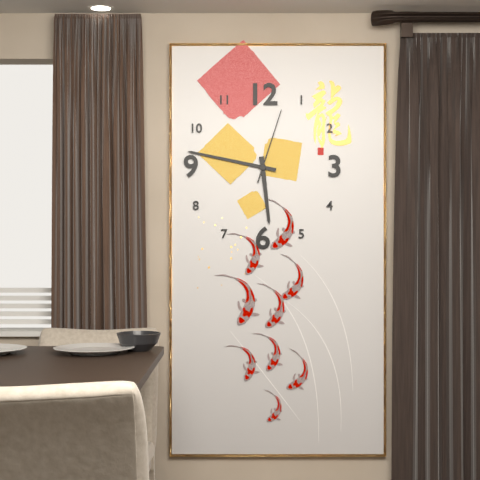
**5:47:03**
